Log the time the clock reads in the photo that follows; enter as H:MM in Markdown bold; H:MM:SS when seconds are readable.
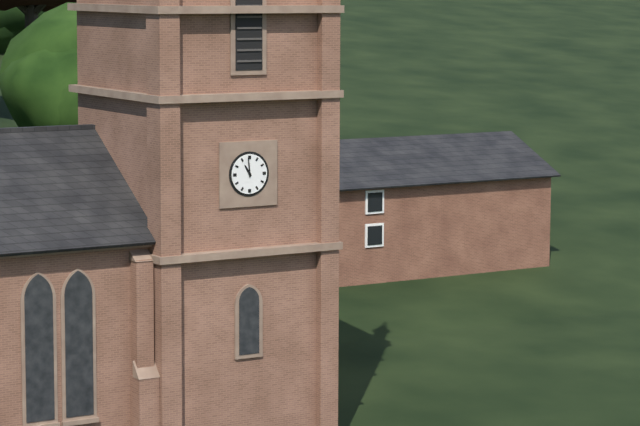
**10:59**
